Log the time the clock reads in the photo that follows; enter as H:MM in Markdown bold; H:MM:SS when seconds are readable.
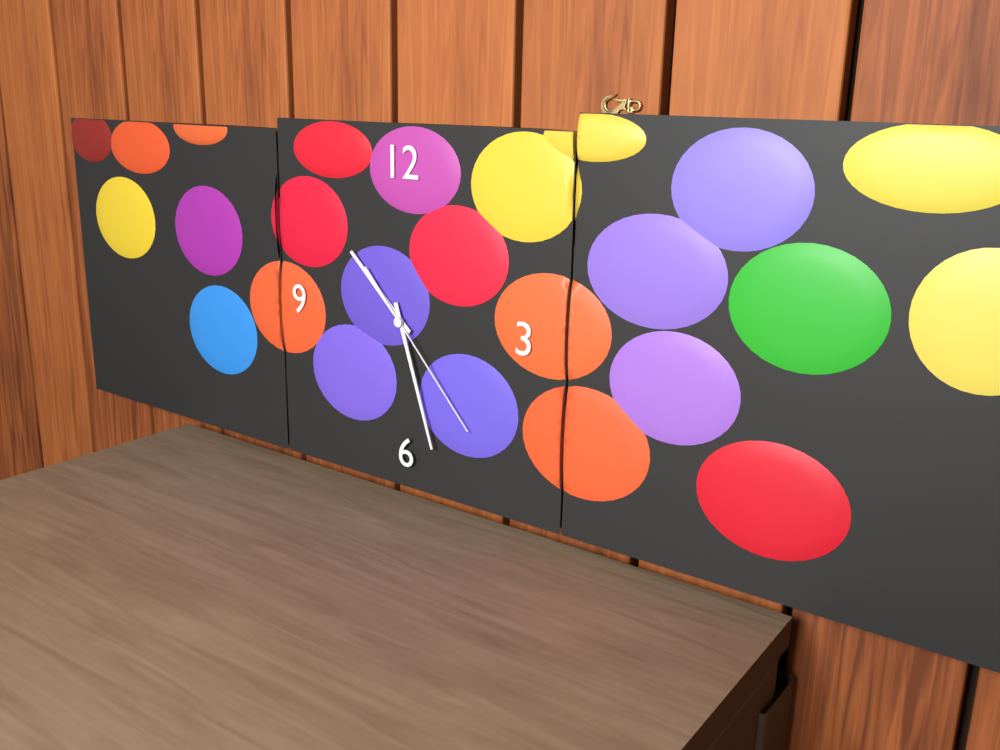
**10:27:23**
